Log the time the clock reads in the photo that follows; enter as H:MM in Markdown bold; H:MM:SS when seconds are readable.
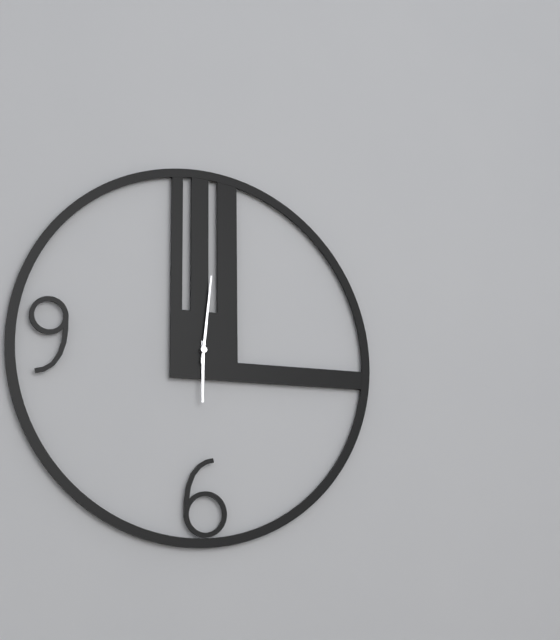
**6:01**
